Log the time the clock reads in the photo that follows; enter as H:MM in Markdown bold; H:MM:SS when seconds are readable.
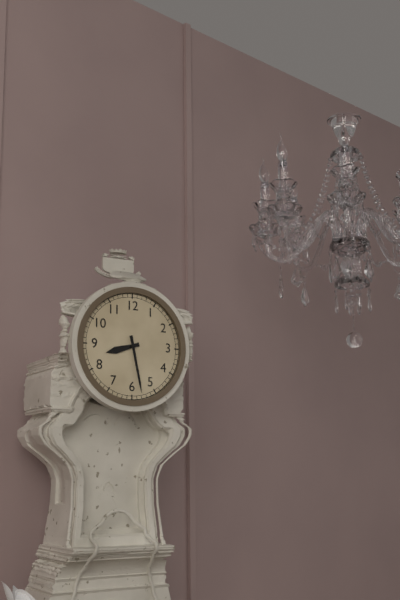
**8:28**
